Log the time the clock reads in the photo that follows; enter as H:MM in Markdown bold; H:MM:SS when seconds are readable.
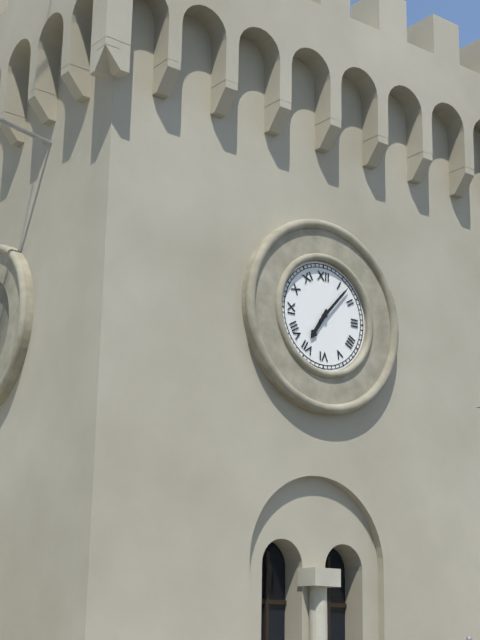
**7:07**
